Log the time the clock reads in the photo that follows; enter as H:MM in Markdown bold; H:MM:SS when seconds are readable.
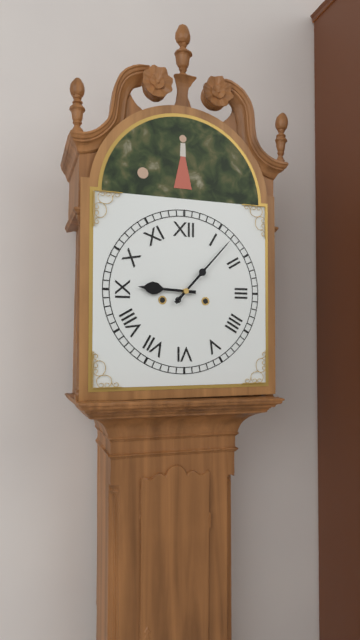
**9:07**
